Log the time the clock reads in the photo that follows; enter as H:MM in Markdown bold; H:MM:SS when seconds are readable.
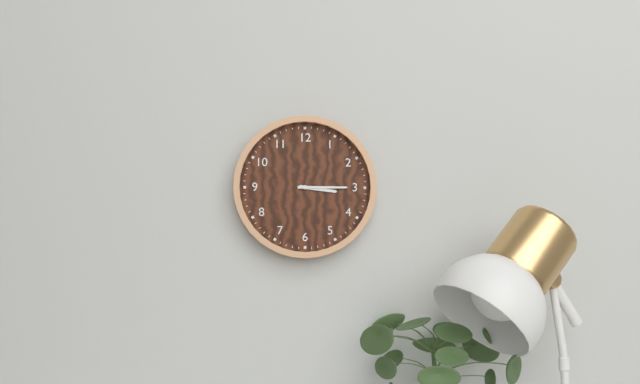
**3:15**
